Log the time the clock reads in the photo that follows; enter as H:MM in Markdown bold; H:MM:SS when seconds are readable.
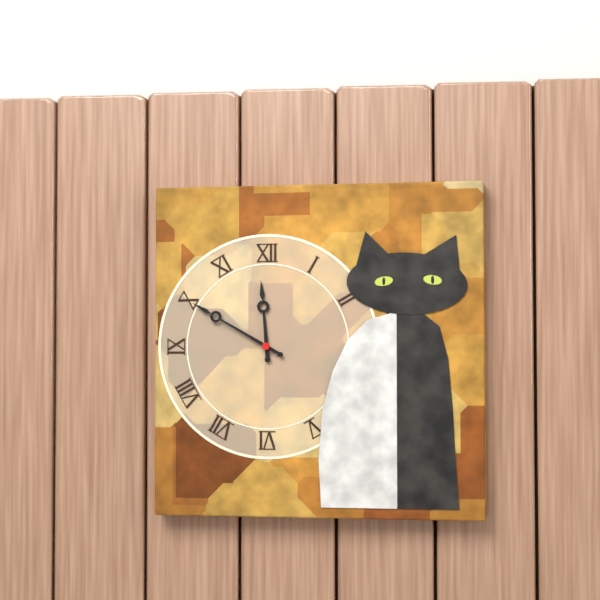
**11:50**
